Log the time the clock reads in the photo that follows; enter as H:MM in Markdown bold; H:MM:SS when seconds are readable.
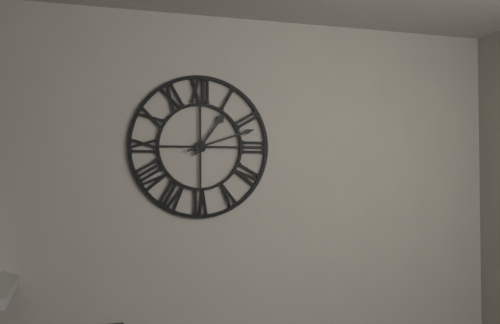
**1:12**
